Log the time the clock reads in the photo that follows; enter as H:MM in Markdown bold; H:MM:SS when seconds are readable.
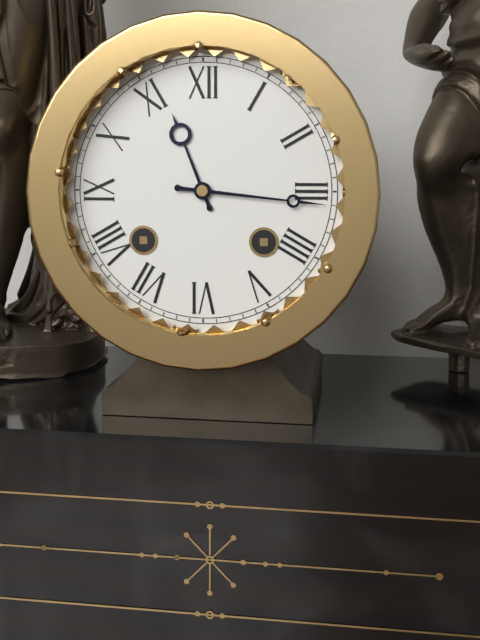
**11:16**
